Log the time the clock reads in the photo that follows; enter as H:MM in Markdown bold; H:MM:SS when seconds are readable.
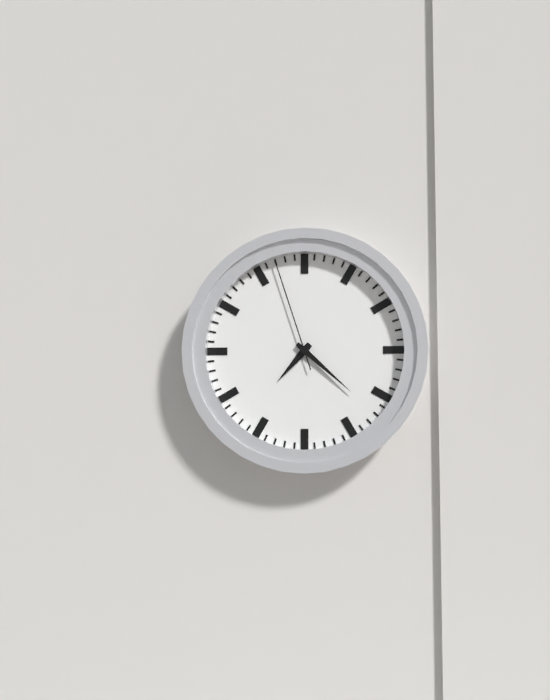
**7:22:57**
